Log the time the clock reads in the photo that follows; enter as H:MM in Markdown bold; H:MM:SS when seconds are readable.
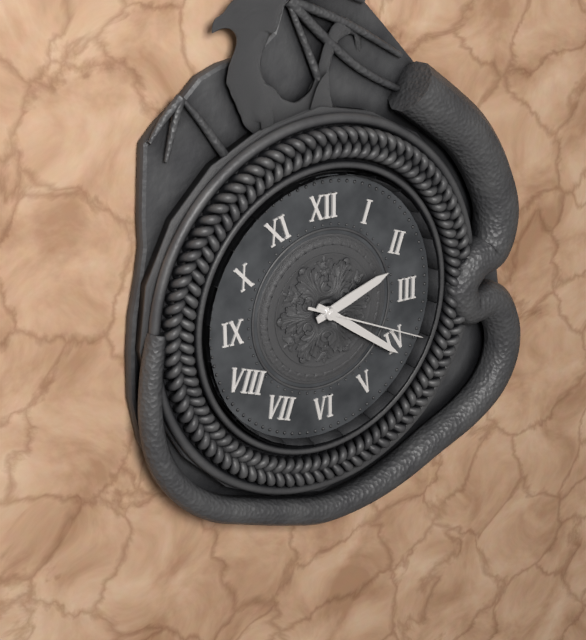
**2:21:19**
